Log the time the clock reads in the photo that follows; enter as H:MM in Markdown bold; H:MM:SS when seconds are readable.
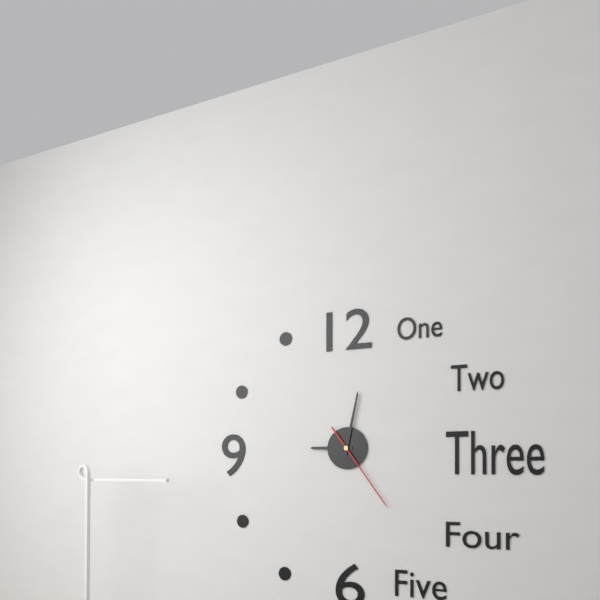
**9:02:24**
